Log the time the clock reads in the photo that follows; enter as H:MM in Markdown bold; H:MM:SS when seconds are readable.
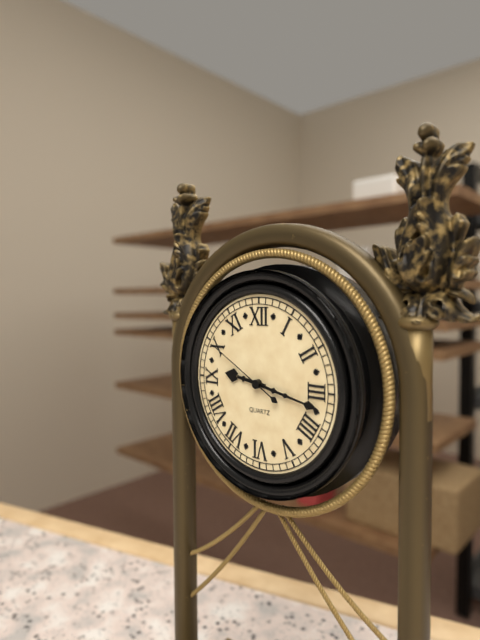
**9:17:50**
